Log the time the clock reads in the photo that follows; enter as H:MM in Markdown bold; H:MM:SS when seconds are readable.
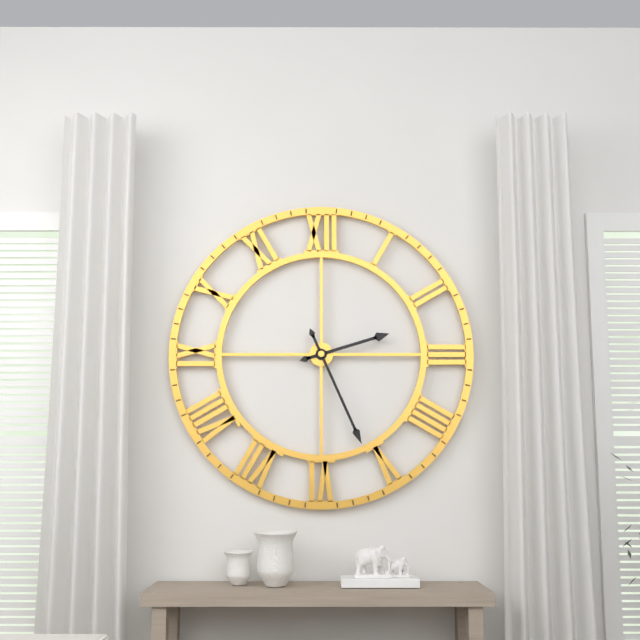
**2:26**
